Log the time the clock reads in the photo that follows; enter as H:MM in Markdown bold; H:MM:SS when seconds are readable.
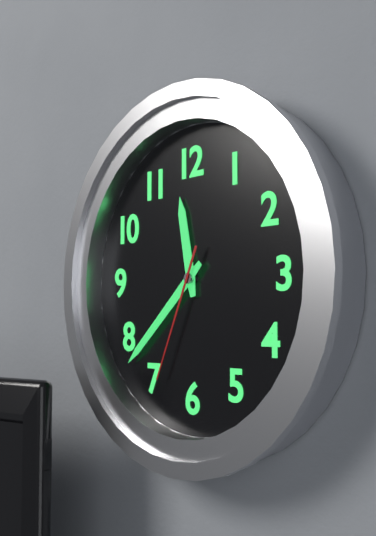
**11:38:34**
